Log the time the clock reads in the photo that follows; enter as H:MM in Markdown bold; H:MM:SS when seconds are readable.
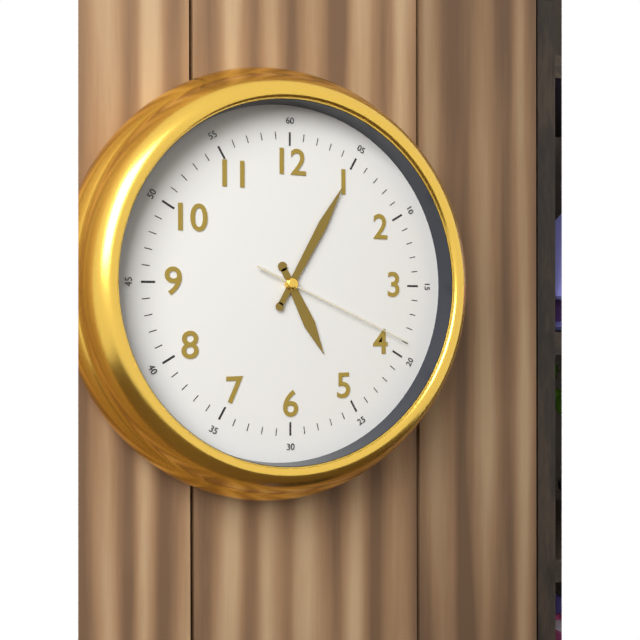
**5:05:19**
